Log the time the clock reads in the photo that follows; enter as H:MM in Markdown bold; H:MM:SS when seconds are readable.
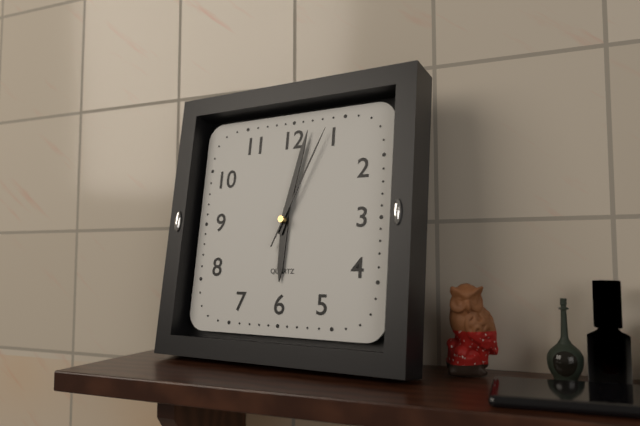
**6:02:04**
